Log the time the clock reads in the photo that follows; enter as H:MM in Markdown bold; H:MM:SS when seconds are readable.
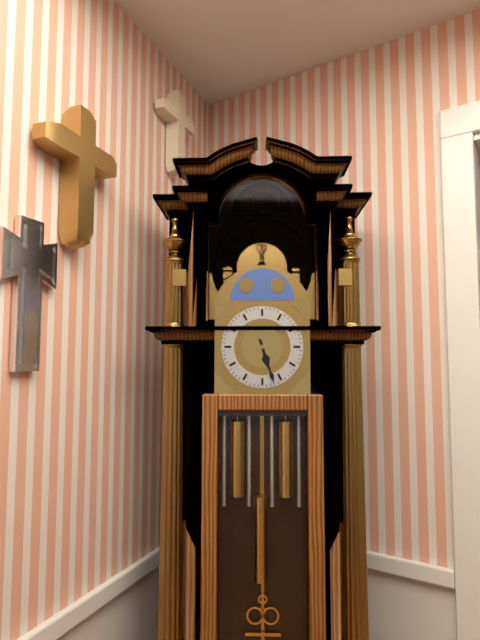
**5:27**
